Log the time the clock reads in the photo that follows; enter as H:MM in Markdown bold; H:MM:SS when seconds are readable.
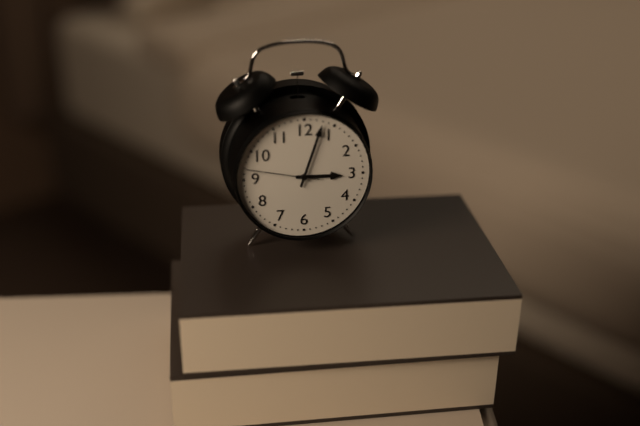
**3:03:47**
